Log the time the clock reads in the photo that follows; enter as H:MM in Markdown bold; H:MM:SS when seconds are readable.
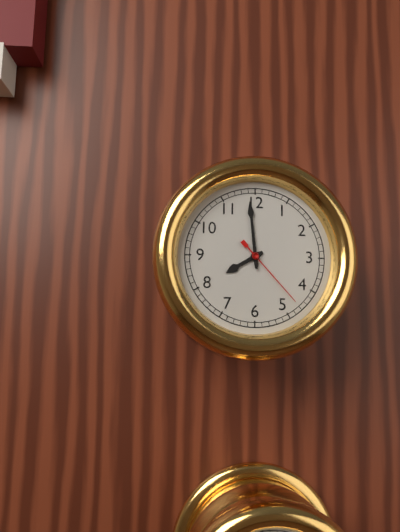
**7:59:23**
